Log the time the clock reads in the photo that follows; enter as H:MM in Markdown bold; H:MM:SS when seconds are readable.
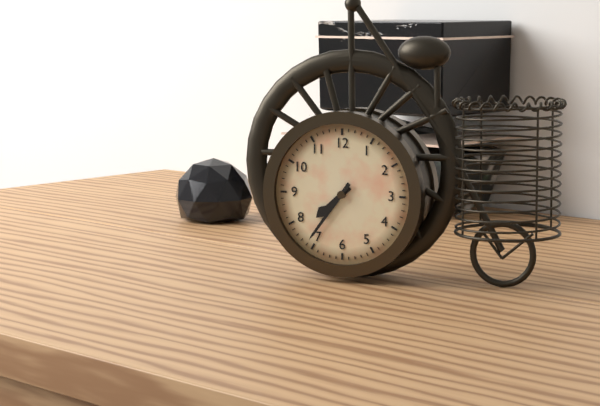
**7:36**
